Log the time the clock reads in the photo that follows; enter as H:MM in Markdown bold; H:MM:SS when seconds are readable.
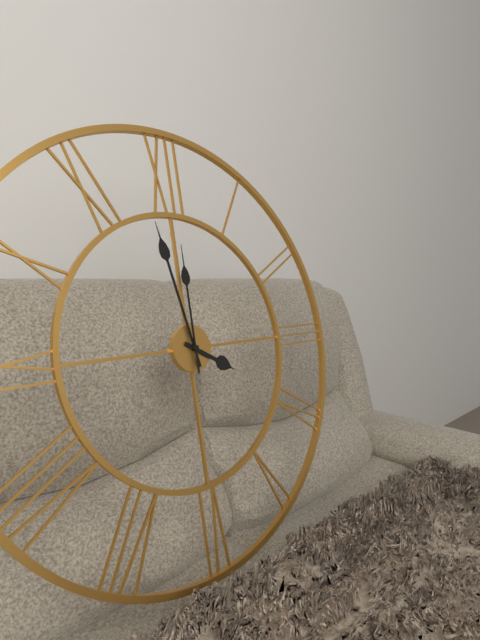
**3:58:00**
